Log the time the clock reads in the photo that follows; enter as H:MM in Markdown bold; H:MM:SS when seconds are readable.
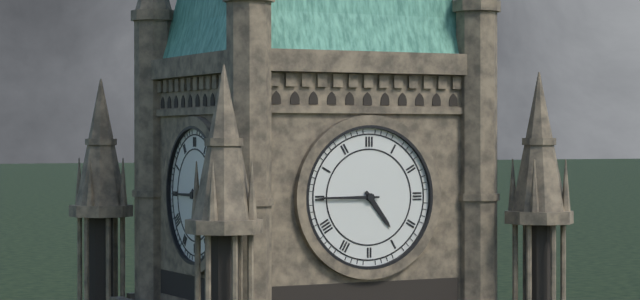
**4:45**
